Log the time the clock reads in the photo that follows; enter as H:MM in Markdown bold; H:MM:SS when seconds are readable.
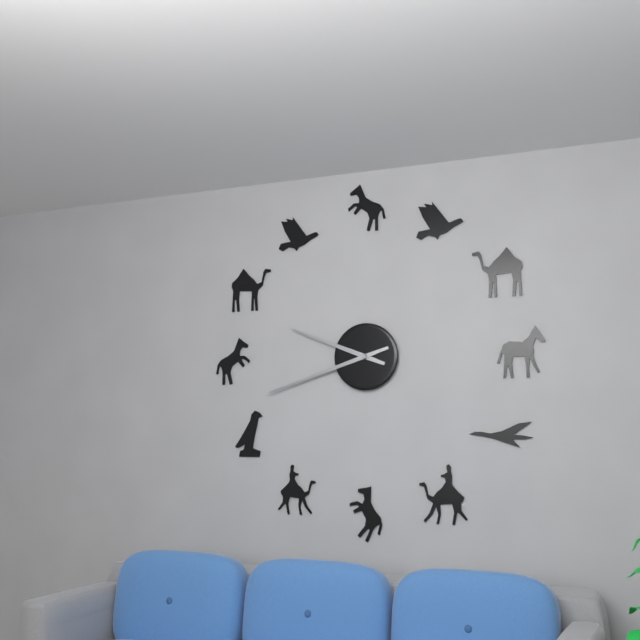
**9:42**
